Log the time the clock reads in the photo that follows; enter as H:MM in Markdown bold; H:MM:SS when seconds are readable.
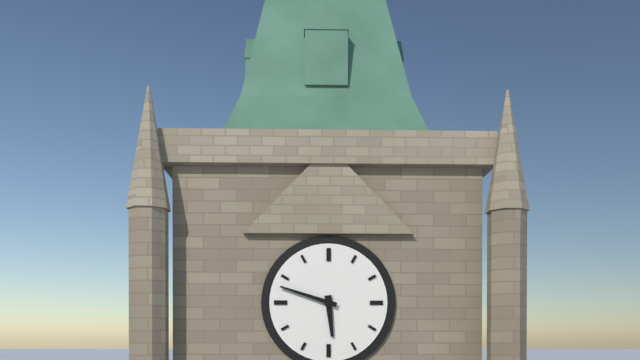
**5:48**
